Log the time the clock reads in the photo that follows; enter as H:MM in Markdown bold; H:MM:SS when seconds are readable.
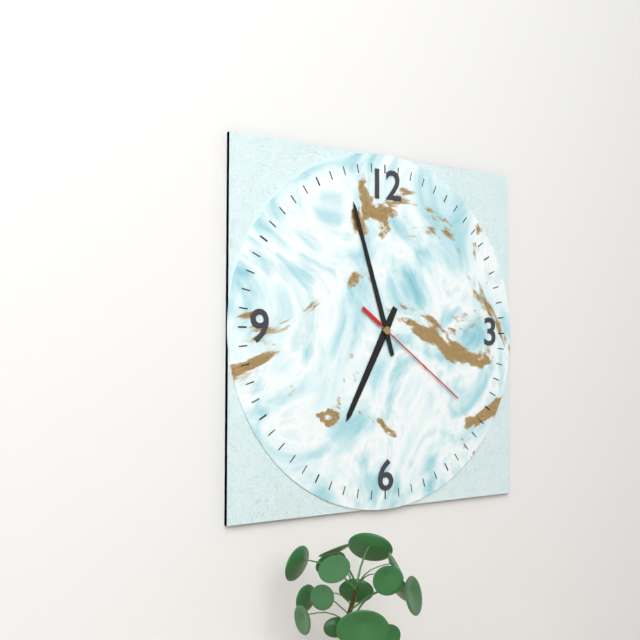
**6:57:21**
